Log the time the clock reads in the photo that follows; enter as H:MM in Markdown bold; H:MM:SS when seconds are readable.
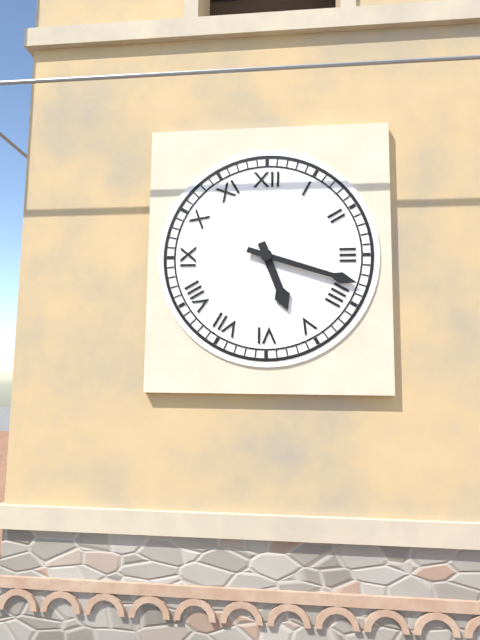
**5:18**
